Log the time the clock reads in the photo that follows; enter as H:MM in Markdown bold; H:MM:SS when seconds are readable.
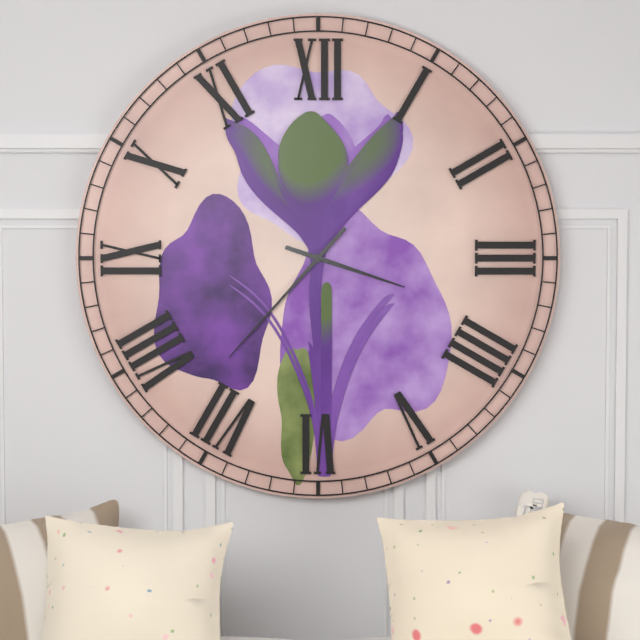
**3:37**
